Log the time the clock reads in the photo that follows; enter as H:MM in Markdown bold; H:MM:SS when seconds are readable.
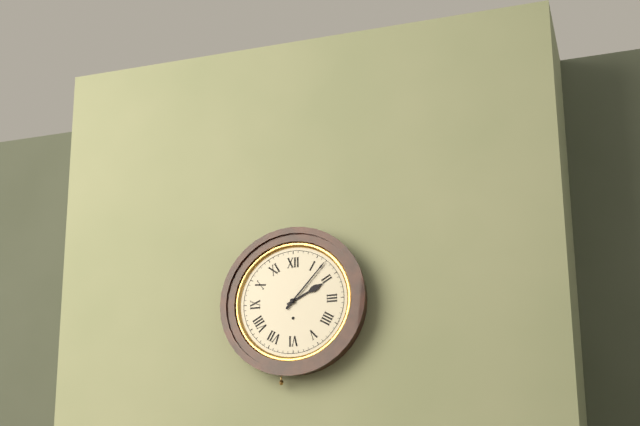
**2:07**
